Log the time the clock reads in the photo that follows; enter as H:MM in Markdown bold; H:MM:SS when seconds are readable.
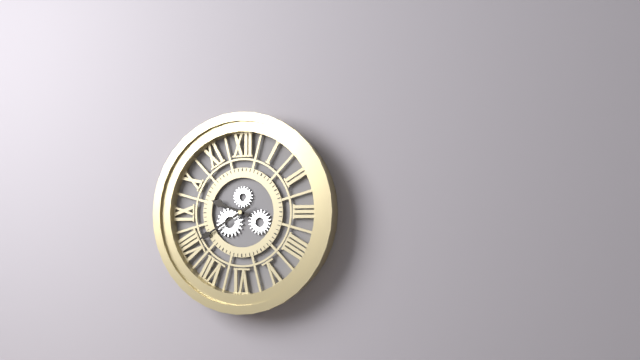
**9:40**
